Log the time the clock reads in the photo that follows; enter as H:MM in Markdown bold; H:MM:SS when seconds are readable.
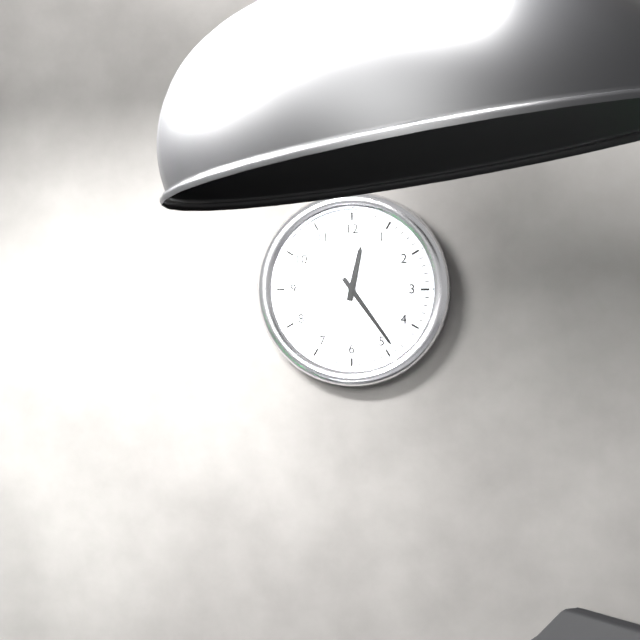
**12:24**
